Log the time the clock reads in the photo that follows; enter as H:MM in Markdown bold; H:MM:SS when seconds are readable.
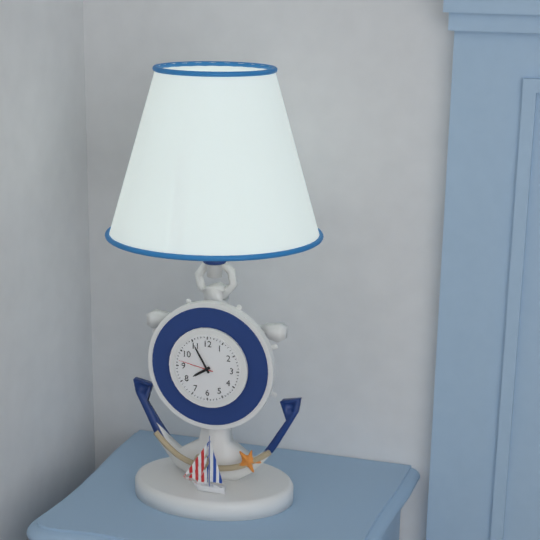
**7:55**
